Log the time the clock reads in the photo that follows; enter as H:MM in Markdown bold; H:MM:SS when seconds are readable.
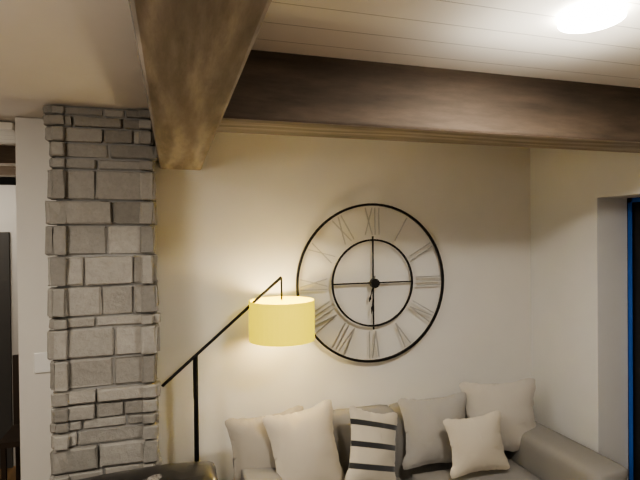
**6:31**
